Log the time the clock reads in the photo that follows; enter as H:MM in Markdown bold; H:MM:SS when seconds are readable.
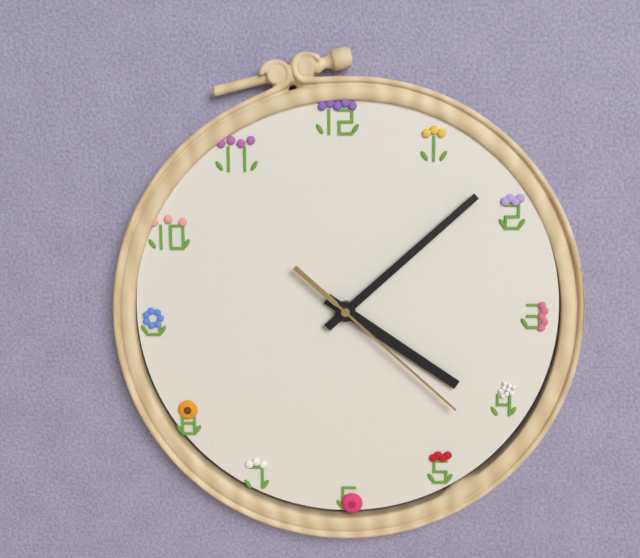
**4:08:22**
